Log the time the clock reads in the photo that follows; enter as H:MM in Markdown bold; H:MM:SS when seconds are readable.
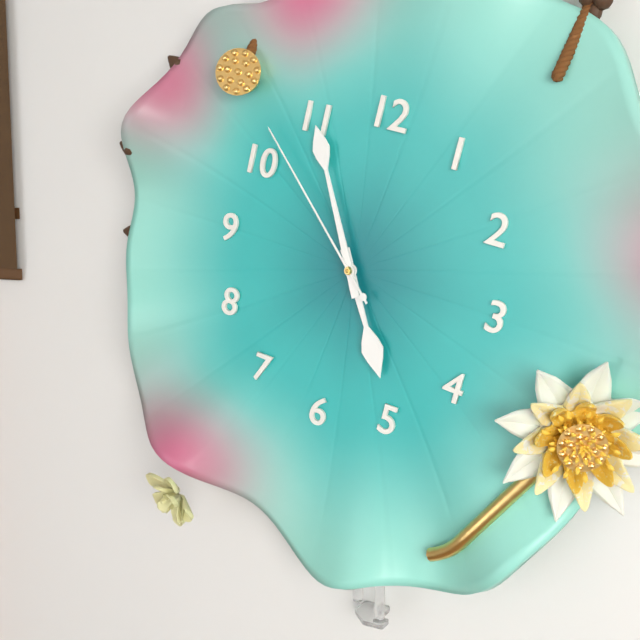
**4:55:52**
